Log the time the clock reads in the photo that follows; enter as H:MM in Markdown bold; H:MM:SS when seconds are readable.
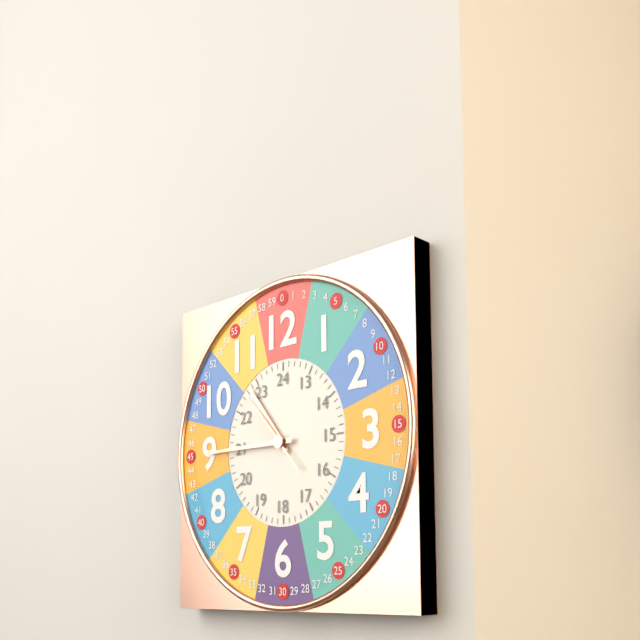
**10:45:53**
